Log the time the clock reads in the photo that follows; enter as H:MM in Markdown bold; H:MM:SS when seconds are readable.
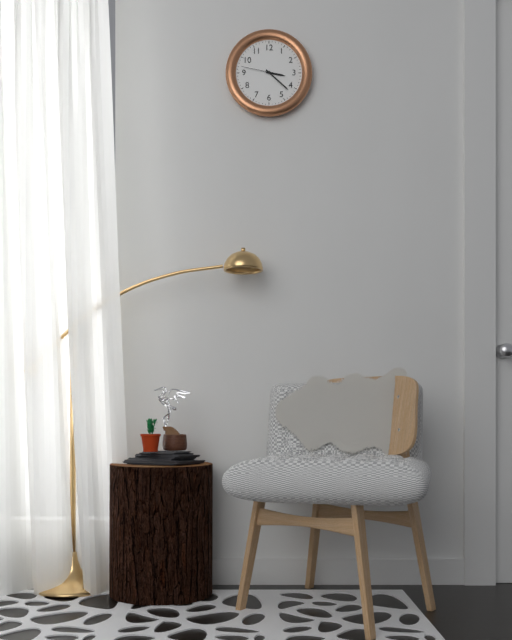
**3:22**
